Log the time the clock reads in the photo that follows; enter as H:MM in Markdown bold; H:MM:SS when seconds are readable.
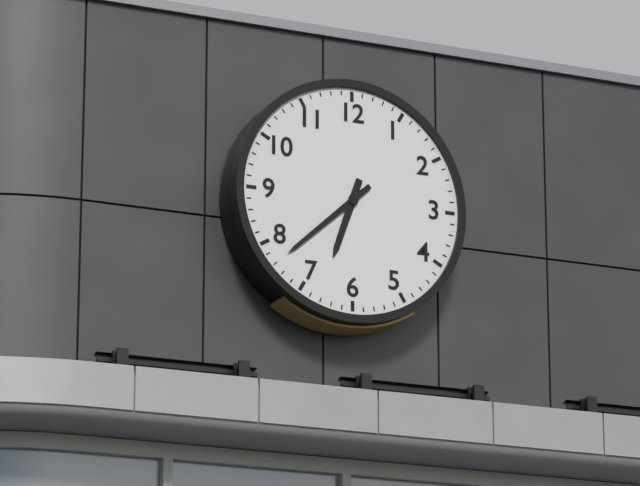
**6:38**
